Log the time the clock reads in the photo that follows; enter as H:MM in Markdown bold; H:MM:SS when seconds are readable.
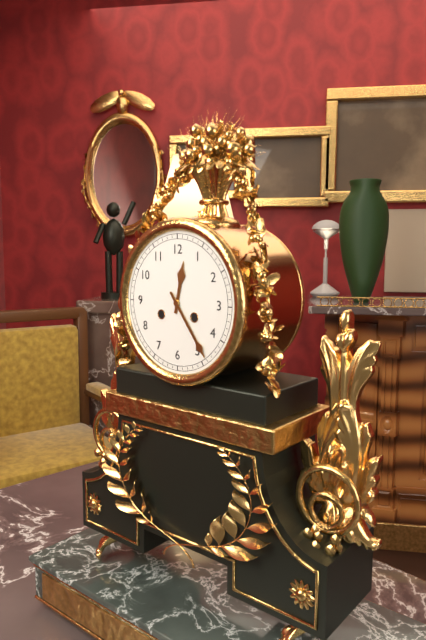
**12:24**
